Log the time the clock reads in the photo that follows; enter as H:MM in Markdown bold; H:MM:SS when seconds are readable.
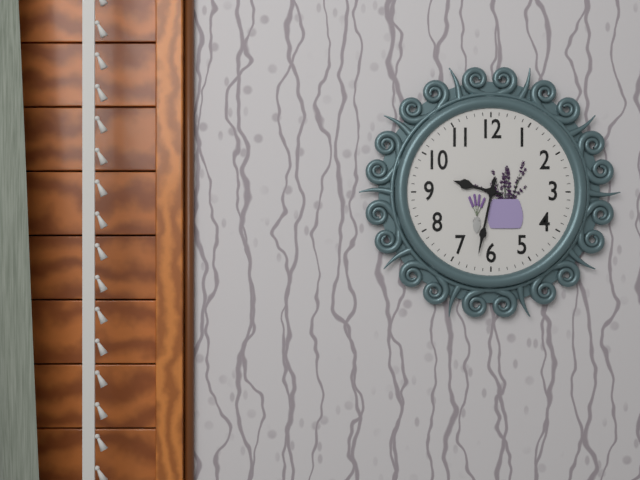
**9:32**
